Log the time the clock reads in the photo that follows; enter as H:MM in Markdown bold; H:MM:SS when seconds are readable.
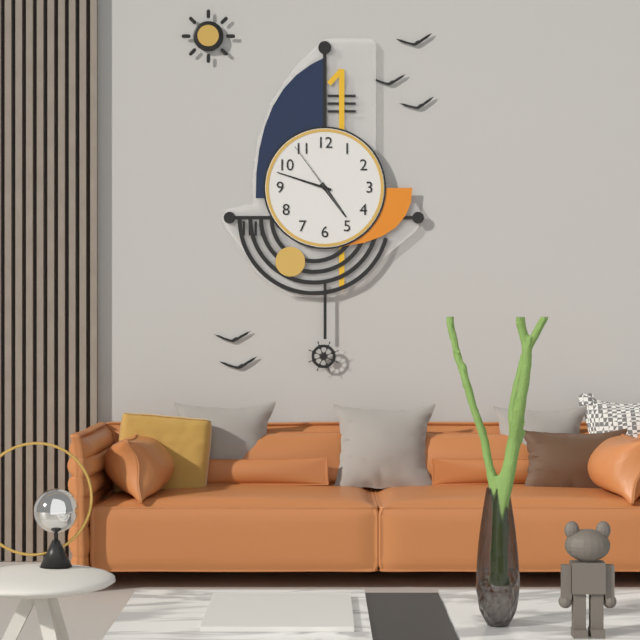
**4:48:54**
